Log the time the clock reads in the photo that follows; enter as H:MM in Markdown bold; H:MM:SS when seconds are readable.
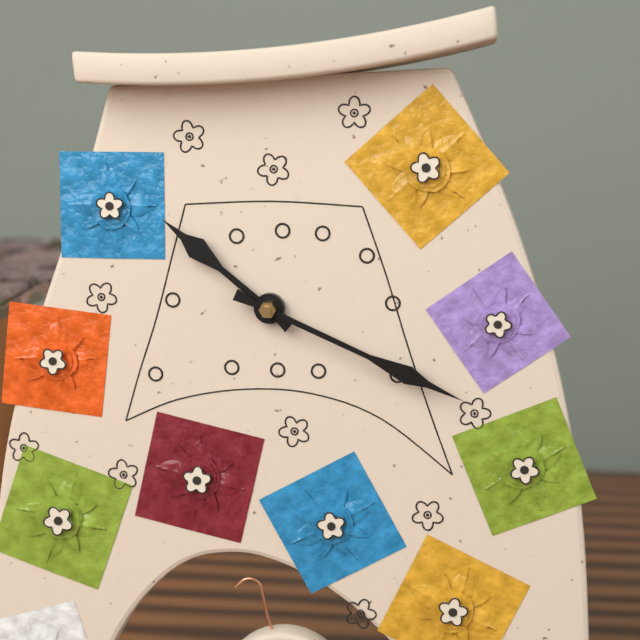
**10:19**
